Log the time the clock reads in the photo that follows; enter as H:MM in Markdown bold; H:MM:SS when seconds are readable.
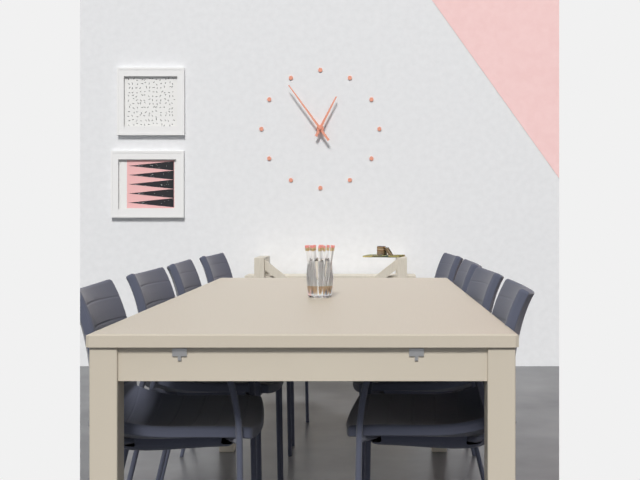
**12:54**
